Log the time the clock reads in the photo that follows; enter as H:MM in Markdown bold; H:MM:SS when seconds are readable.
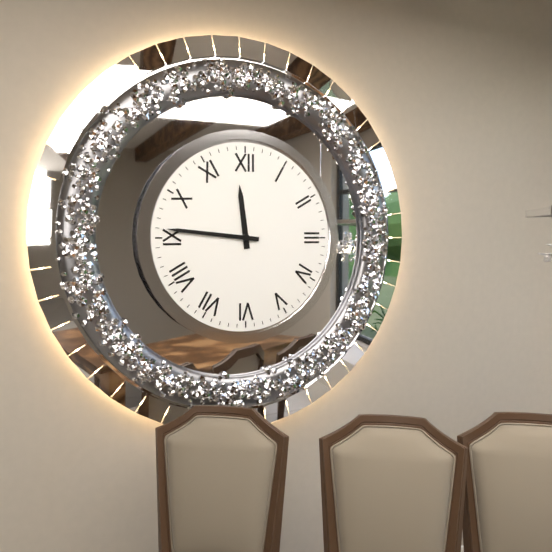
**11:46**
